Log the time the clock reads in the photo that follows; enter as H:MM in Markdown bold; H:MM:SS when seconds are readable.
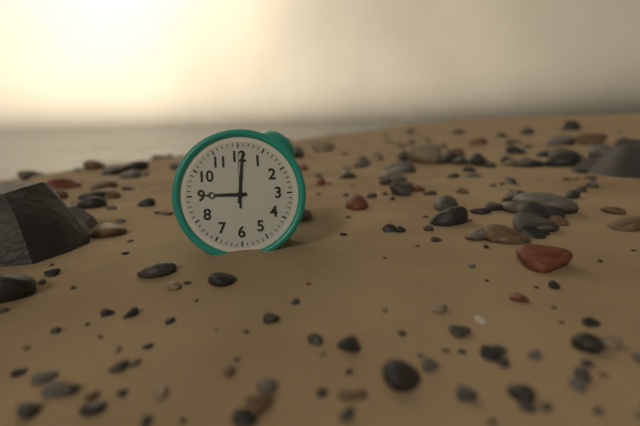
**9:01:00**
